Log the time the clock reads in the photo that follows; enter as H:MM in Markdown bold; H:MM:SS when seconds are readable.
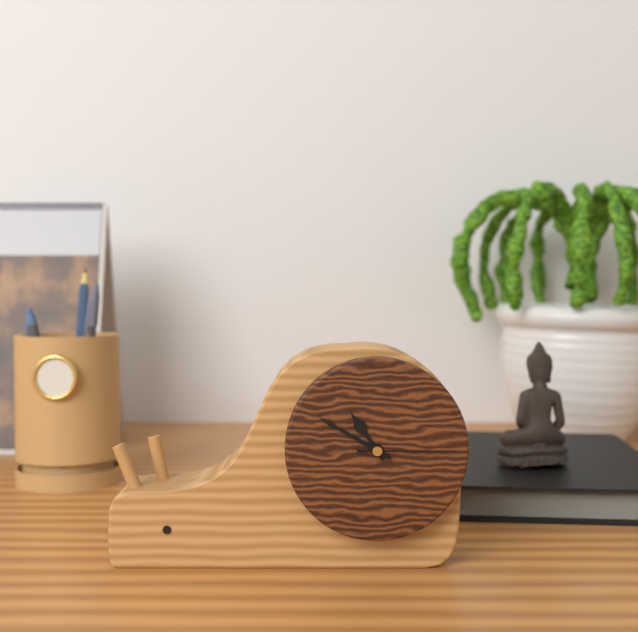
**10:50:15**
